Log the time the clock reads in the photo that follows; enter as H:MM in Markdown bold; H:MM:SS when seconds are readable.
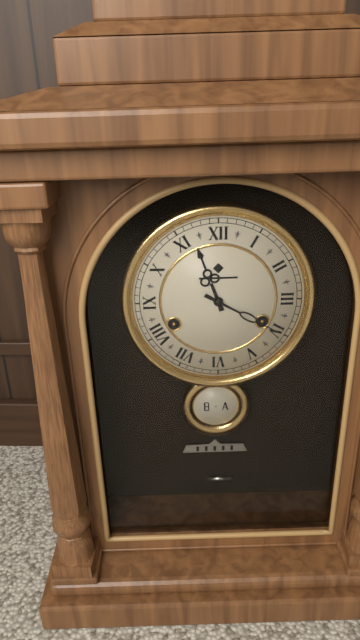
**11:20**
